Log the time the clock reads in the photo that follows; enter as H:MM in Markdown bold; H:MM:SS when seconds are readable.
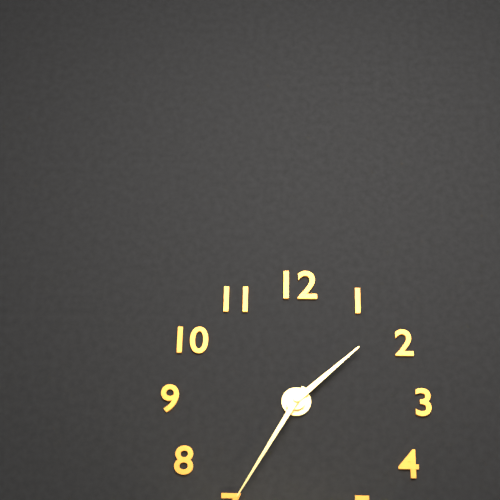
**1:35**
